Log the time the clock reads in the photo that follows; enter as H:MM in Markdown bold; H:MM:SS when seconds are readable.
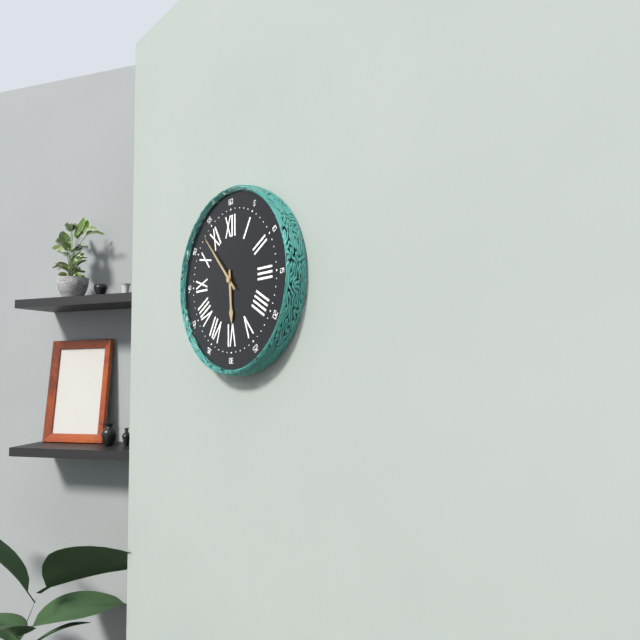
**5:53**
